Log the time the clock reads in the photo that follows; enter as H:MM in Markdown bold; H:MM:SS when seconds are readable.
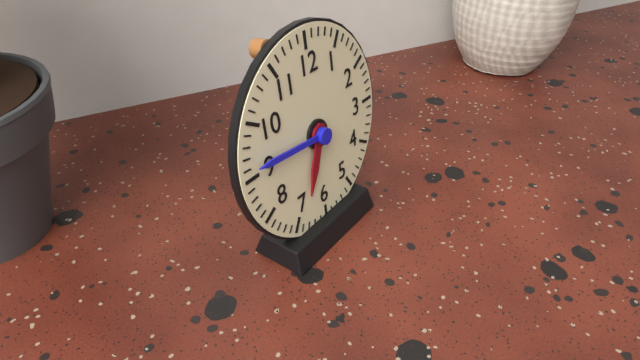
**6:46**
